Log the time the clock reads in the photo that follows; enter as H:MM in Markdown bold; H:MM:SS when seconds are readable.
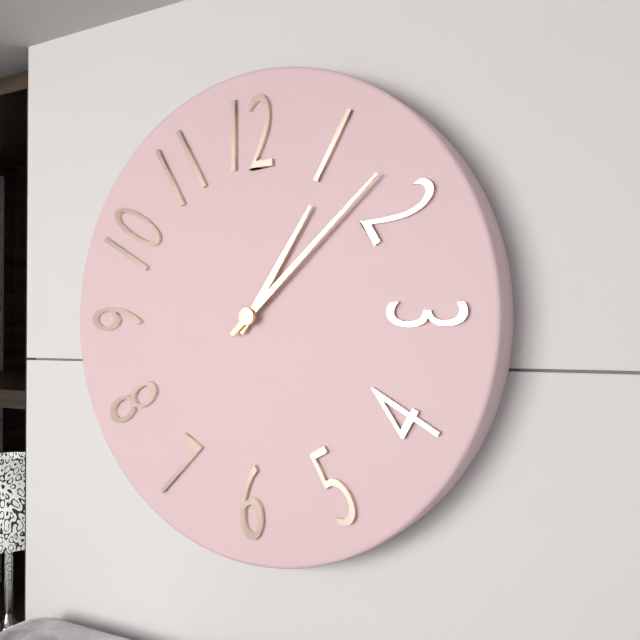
**1:08**
